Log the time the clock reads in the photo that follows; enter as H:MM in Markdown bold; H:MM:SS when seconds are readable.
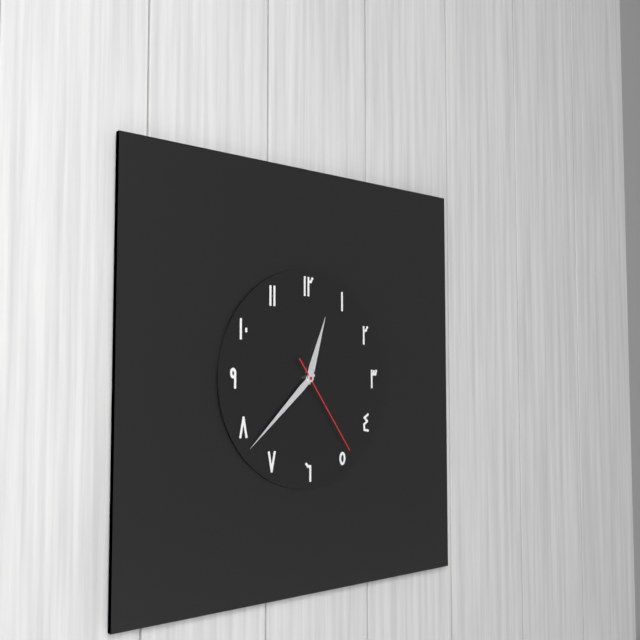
**12:38:24**
